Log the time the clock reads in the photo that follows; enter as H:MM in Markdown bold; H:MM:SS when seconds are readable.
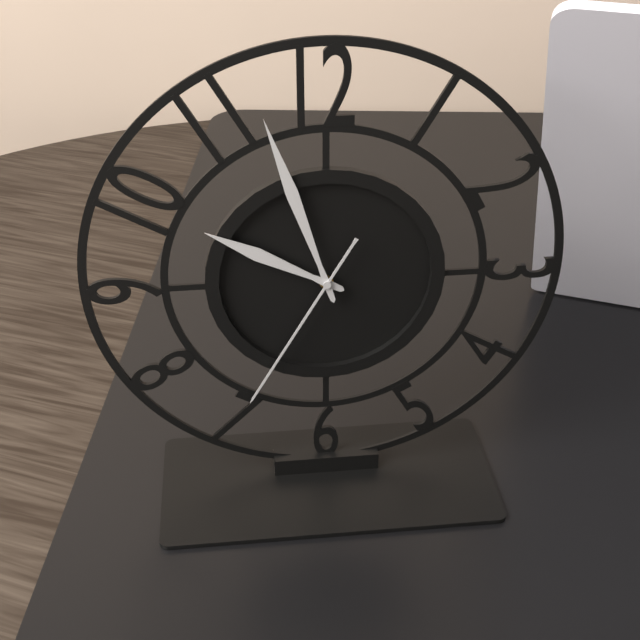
**9:57:35**
